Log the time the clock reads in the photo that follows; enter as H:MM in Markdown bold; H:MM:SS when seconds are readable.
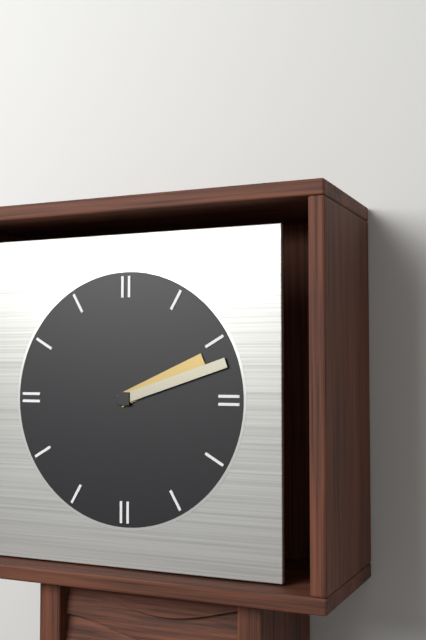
**2:12**
